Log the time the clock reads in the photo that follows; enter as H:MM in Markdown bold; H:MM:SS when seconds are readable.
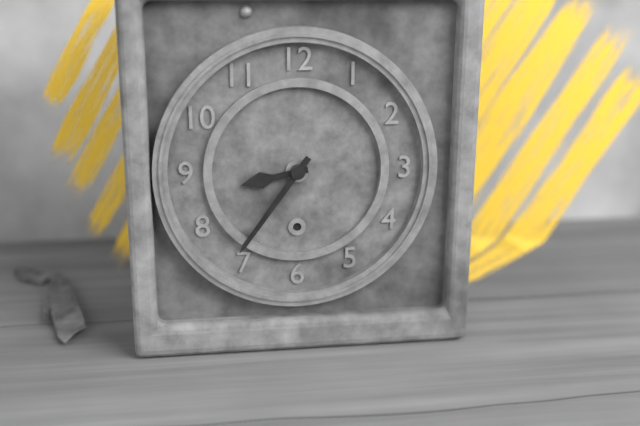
**8:36**
